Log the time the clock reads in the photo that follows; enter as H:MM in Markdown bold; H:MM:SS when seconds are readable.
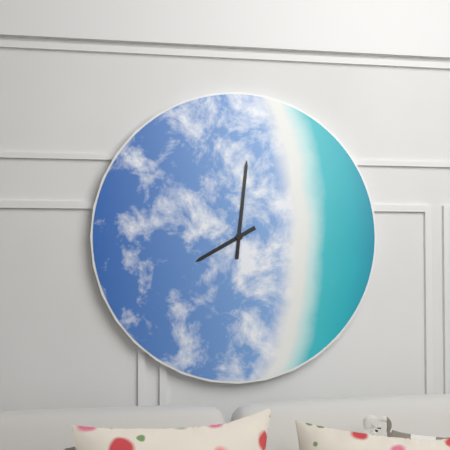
**8:01**
